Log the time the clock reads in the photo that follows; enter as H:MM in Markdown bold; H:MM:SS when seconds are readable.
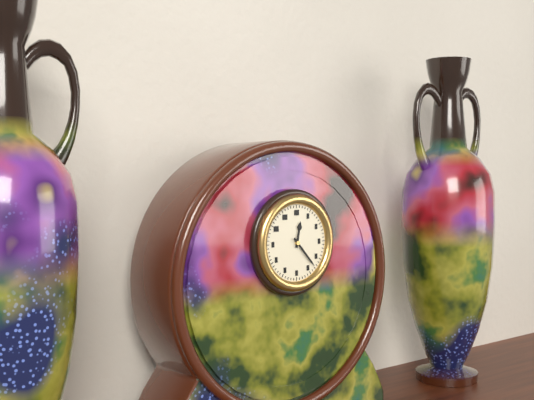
**12:23**
